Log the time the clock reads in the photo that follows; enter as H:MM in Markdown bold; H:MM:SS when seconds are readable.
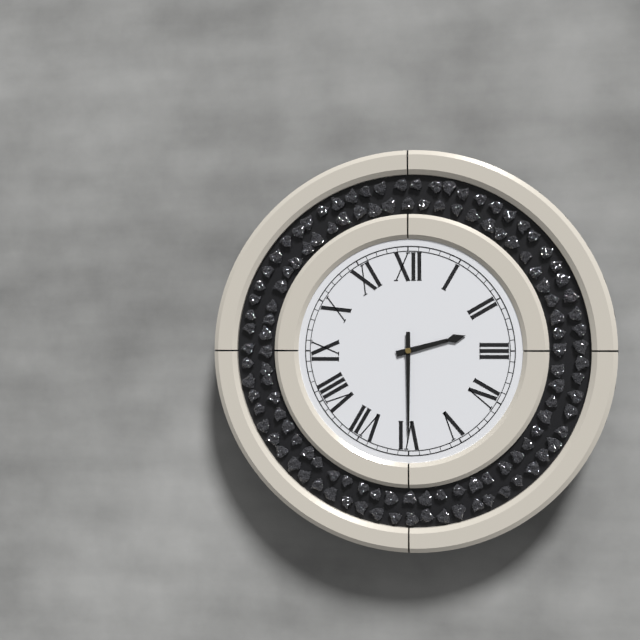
**2:30**
